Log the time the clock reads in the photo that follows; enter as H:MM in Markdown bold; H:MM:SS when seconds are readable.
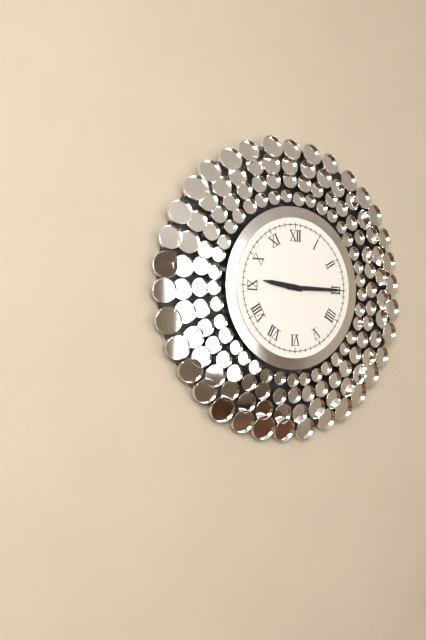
**9:15**
